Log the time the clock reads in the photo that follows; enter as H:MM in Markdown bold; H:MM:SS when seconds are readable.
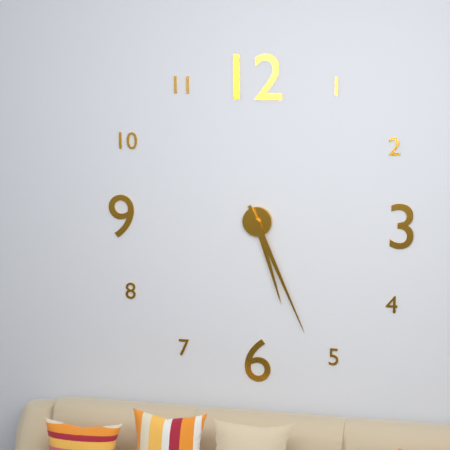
**5:26**
